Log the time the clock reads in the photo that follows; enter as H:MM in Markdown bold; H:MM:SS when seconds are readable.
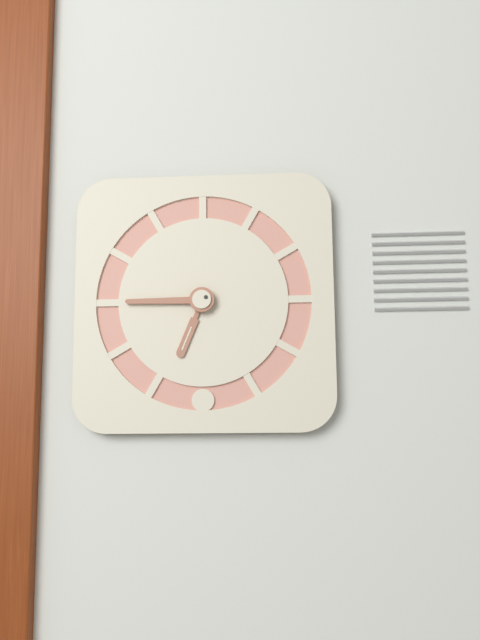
**6:45**
